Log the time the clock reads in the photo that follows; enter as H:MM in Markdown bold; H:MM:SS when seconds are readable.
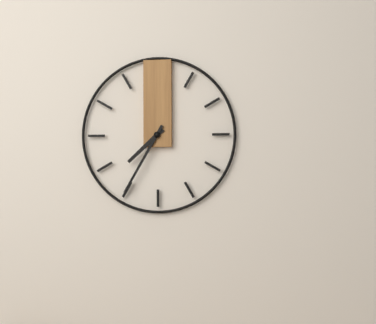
**7:35**
